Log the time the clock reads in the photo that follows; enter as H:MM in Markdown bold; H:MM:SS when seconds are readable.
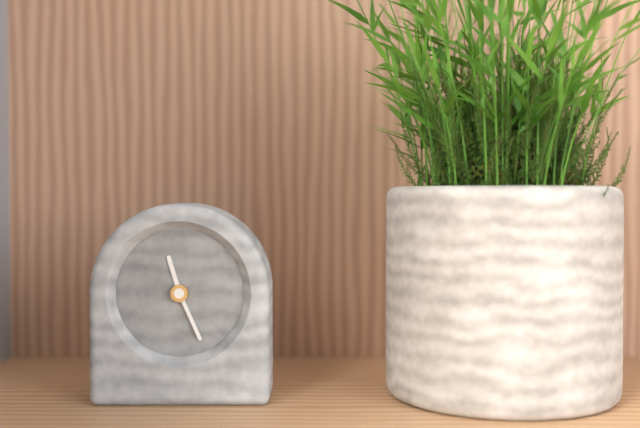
**11:26**
